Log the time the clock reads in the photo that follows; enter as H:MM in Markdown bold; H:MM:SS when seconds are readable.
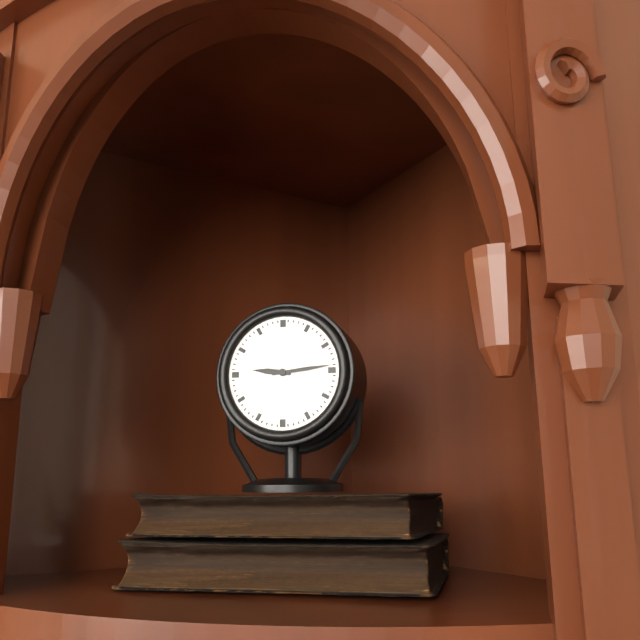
**9:14**
